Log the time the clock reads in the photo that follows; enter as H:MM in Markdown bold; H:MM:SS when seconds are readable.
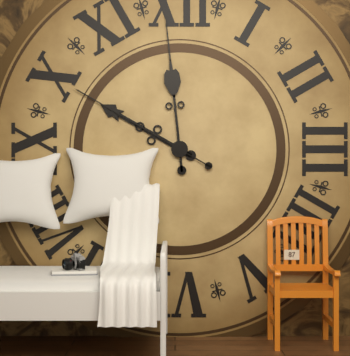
**9:59:50**
